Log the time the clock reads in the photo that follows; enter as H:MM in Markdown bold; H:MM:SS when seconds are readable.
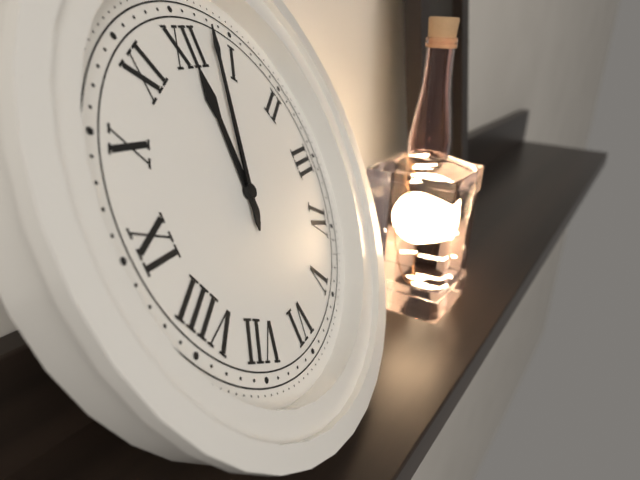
**12:03**
